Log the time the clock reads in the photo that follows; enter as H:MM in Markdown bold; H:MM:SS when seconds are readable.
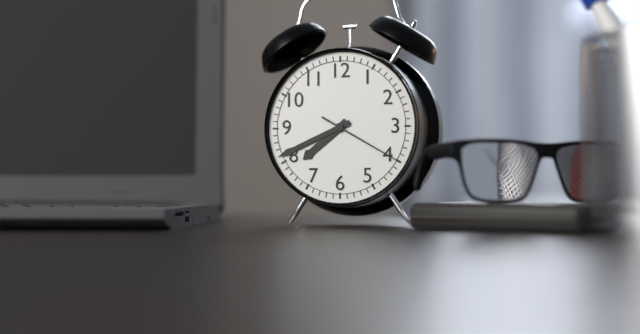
**7:41:20**
